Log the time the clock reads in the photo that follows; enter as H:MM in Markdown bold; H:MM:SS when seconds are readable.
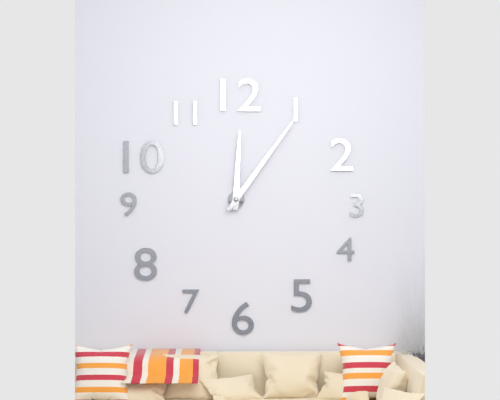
**12:06**
